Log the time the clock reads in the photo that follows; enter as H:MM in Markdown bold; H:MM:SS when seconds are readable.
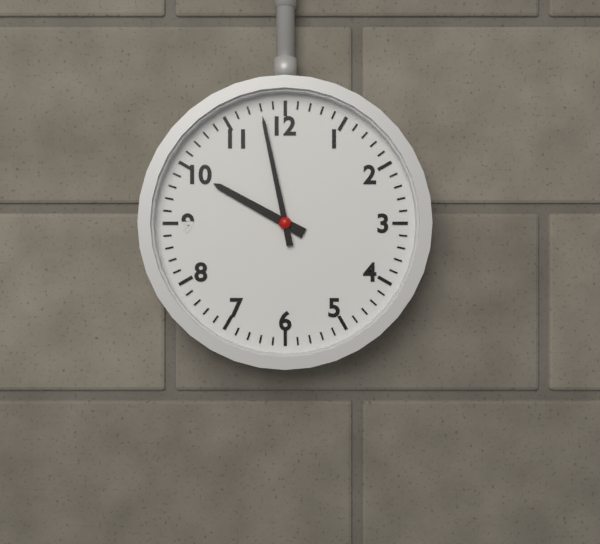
**9:58**
